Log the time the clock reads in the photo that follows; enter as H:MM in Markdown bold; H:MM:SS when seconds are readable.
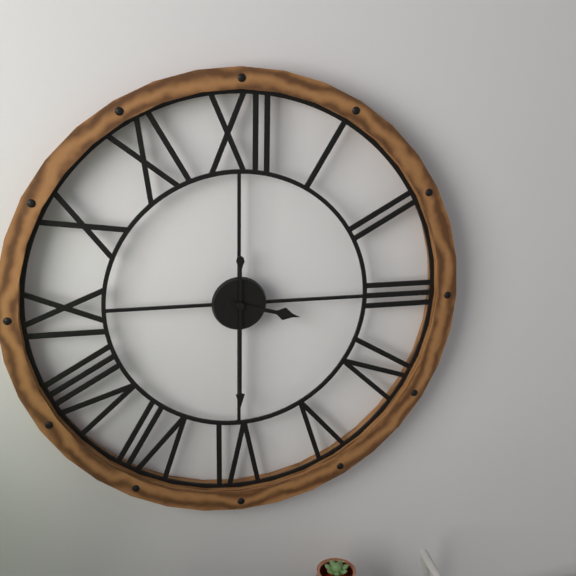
**3:30**
